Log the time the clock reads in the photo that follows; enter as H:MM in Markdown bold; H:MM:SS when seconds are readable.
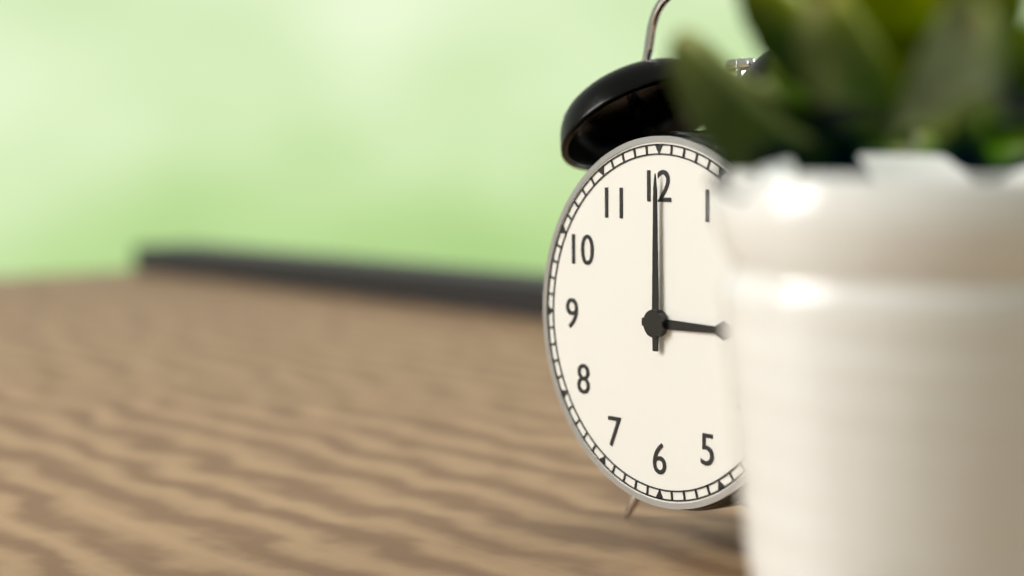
**3:00**
